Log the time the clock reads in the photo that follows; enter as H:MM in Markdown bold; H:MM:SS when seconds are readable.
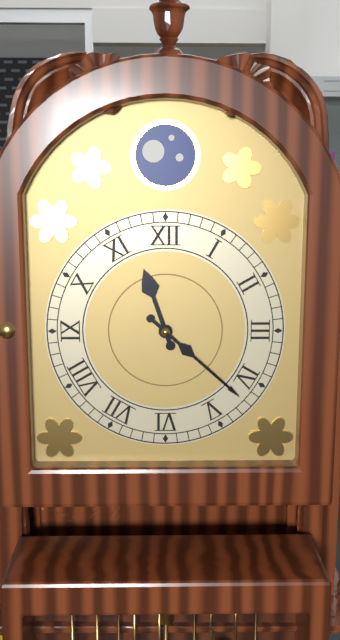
**11:22**
